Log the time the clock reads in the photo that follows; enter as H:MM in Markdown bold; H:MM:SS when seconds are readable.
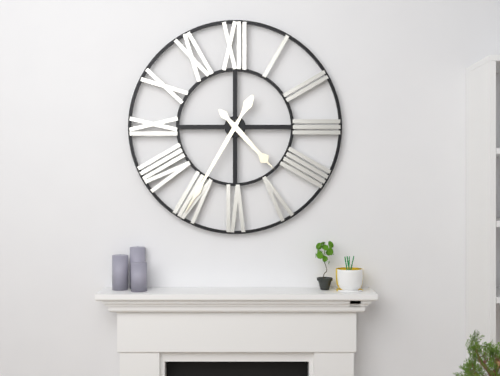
**4:35**
